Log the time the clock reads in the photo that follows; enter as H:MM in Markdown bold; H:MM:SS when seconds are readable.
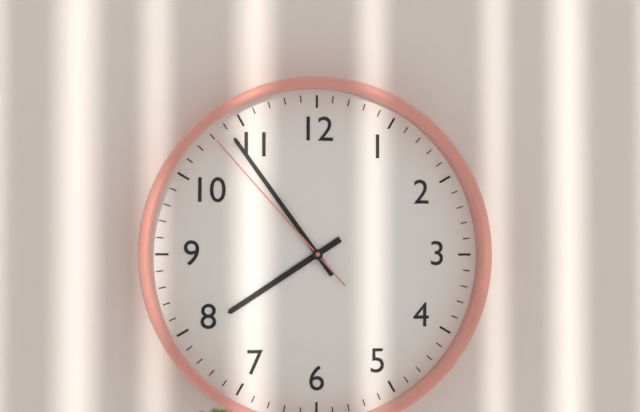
**7:54:53**
